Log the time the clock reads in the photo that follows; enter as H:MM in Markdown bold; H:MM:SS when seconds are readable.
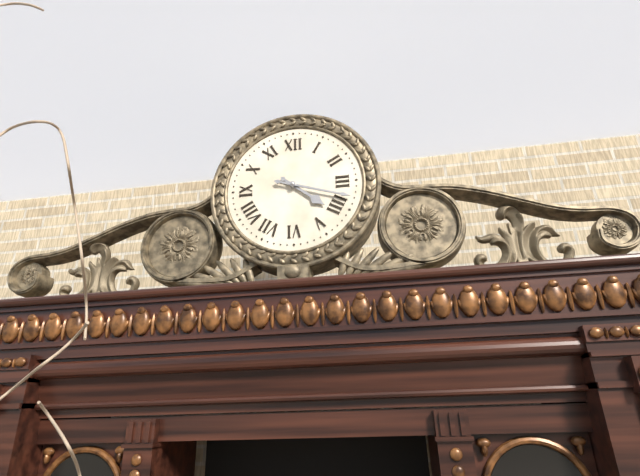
**4:18**
